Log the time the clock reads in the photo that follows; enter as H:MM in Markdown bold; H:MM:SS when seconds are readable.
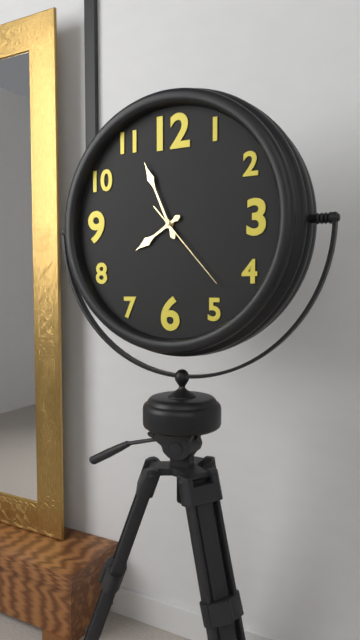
**7:56:23**
